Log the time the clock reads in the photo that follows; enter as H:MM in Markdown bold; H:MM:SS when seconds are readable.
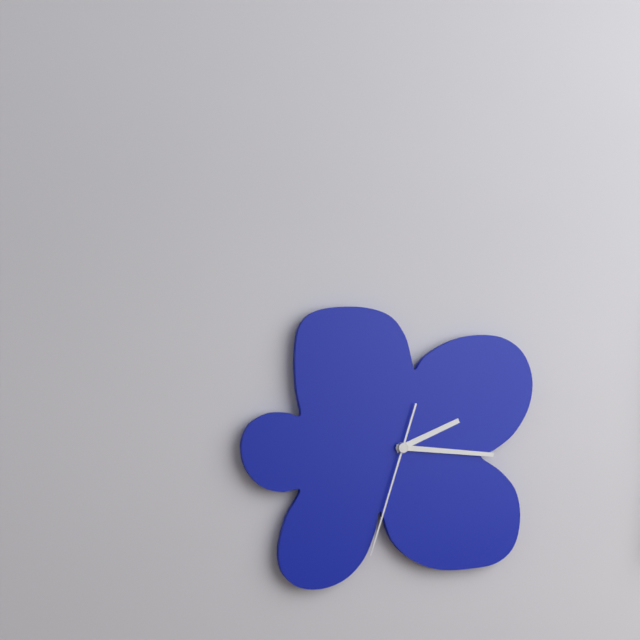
**2:16:33**
